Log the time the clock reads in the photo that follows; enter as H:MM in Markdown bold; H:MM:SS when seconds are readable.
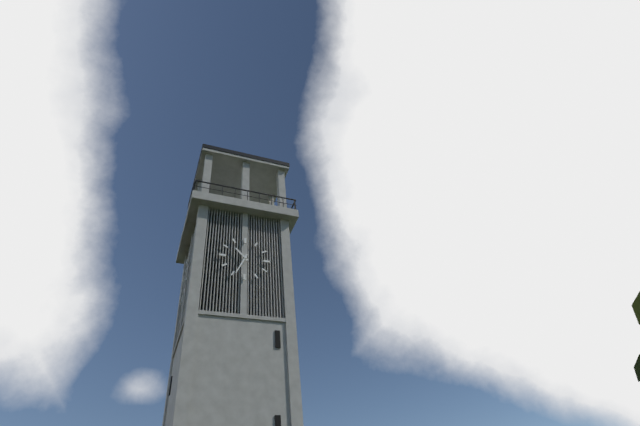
**10:34**
